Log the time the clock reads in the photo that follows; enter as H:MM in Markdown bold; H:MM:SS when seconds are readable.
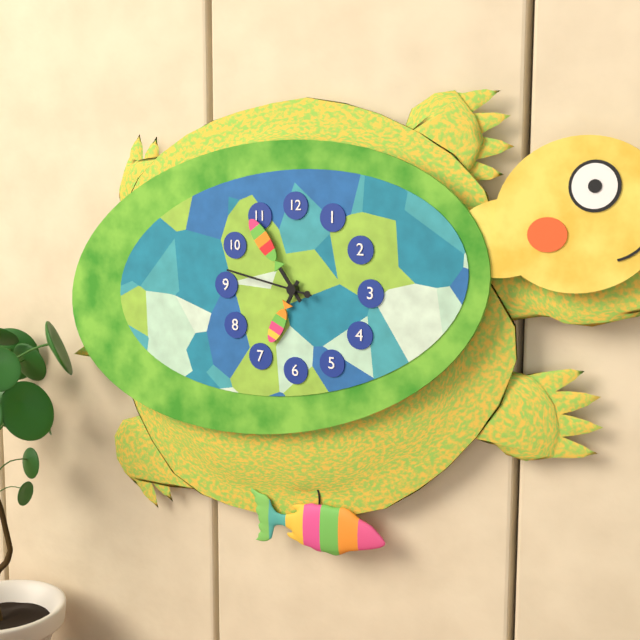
**6:54:47**
